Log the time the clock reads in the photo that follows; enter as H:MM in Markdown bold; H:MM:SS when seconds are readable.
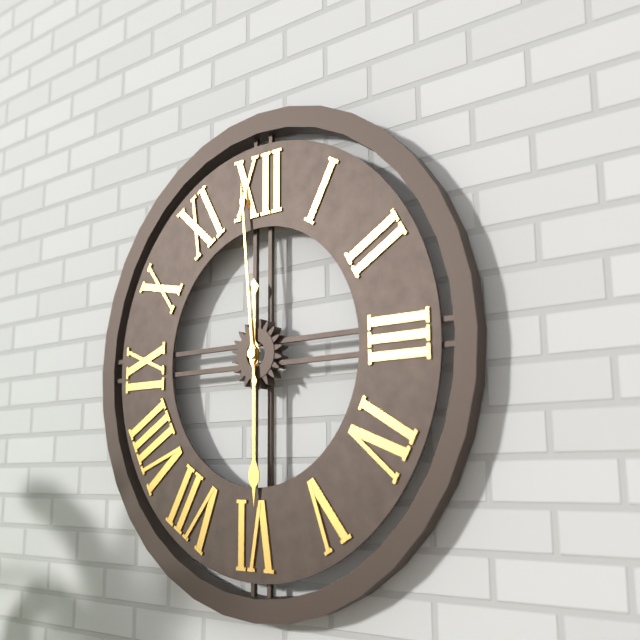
**5:59**
